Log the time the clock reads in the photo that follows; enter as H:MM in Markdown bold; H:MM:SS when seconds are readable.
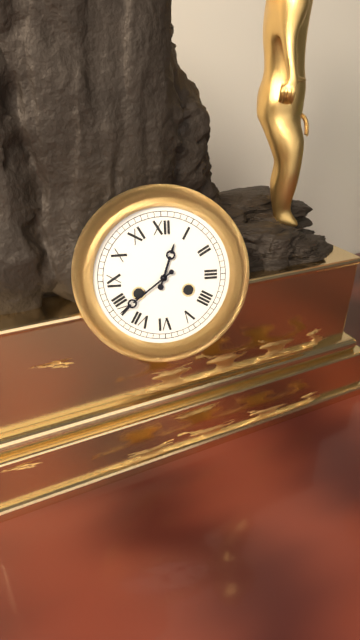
**12:39**
